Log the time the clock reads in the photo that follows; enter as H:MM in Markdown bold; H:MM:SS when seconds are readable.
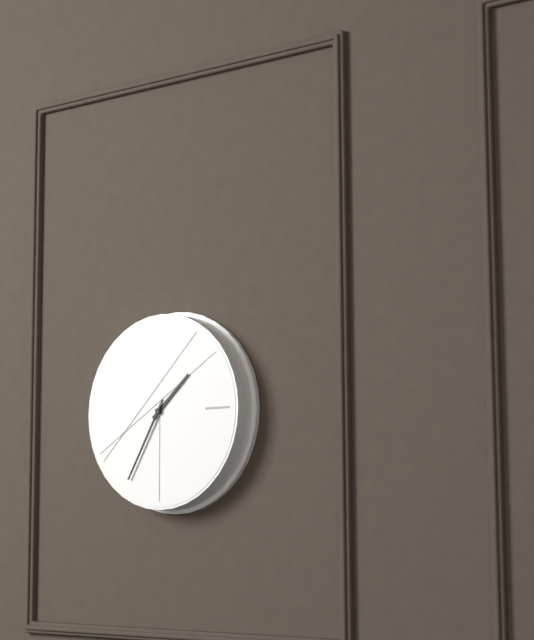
**1:35**
